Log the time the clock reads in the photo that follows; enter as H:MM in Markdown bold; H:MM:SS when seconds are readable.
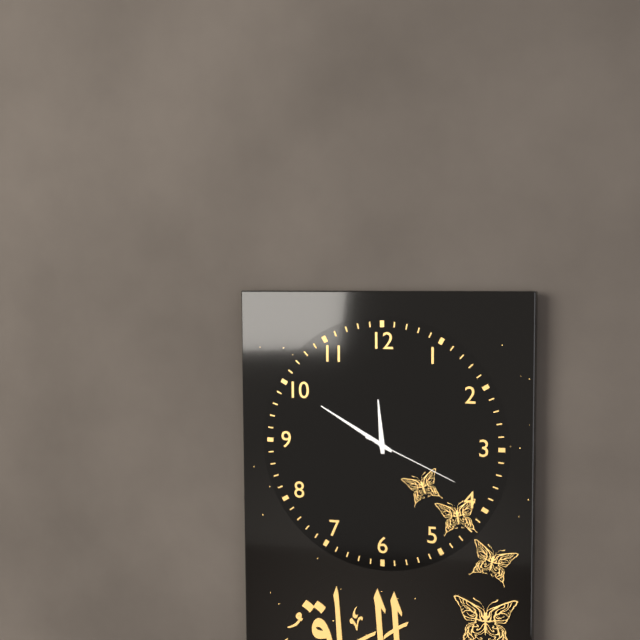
**11:50:19**
